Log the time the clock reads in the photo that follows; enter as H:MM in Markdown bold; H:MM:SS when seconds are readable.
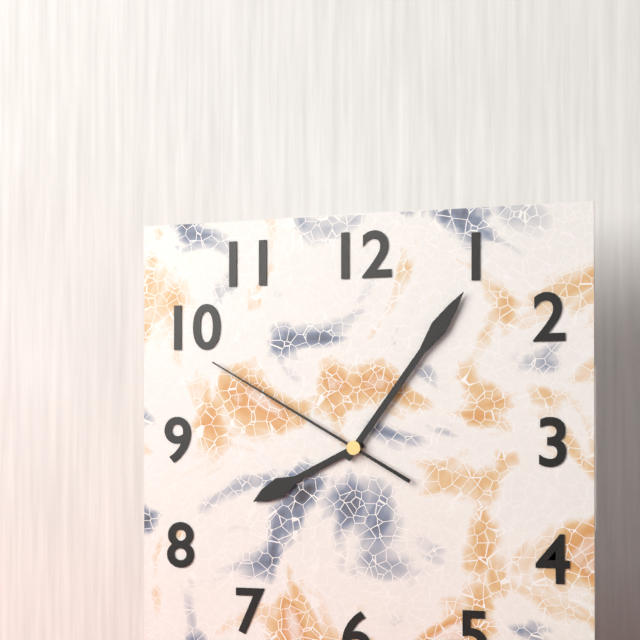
**8:06:50**
